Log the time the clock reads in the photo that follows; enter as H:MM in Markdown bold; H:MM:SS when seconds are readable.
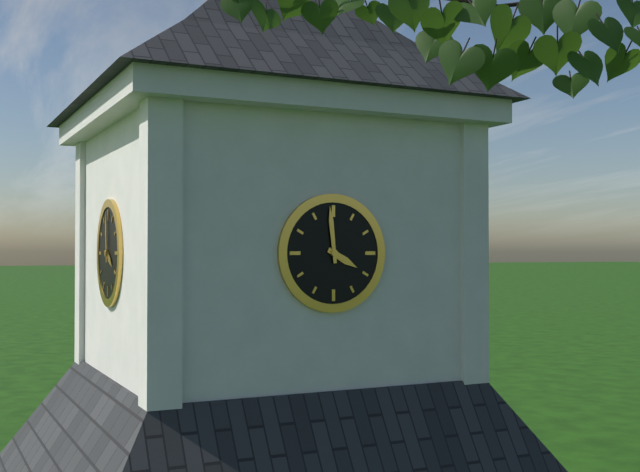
**3:59**
